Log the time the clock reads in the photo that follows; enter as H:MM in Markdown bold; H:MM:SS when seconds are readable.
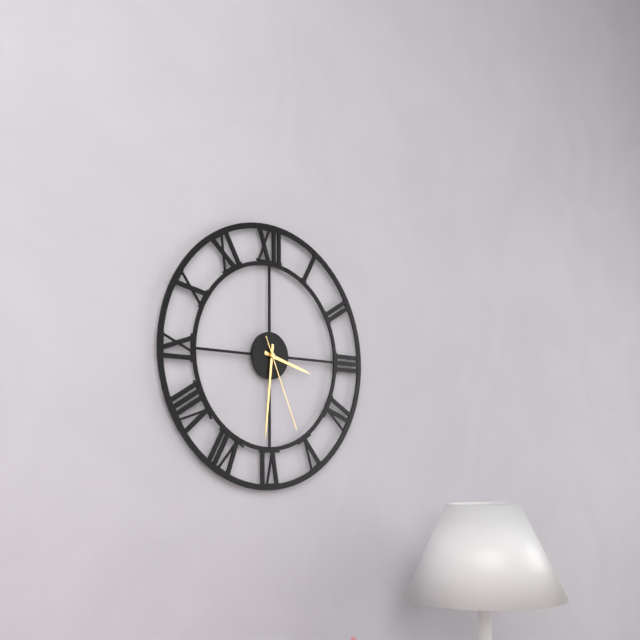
**3:31:26**
